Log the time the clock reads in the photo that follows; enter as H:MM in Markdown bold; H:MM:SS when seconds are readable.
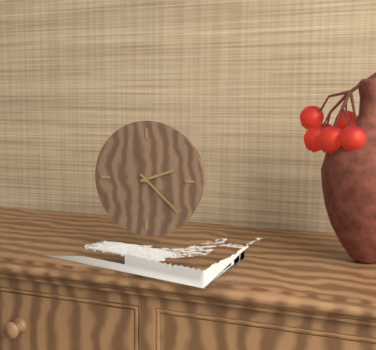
**2:22**
